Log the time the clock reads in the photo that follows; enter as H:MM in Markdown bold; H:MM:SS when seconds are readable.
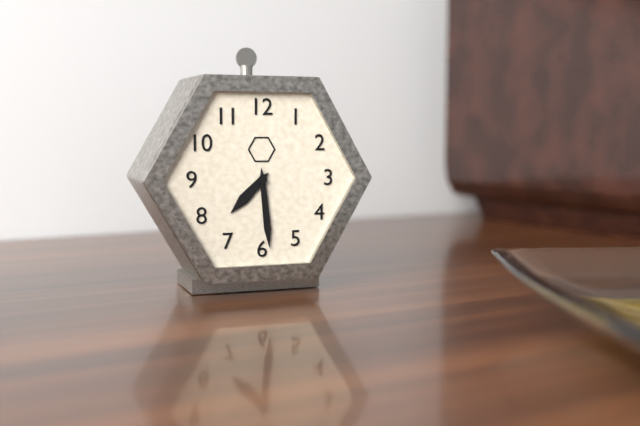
**7:29**
